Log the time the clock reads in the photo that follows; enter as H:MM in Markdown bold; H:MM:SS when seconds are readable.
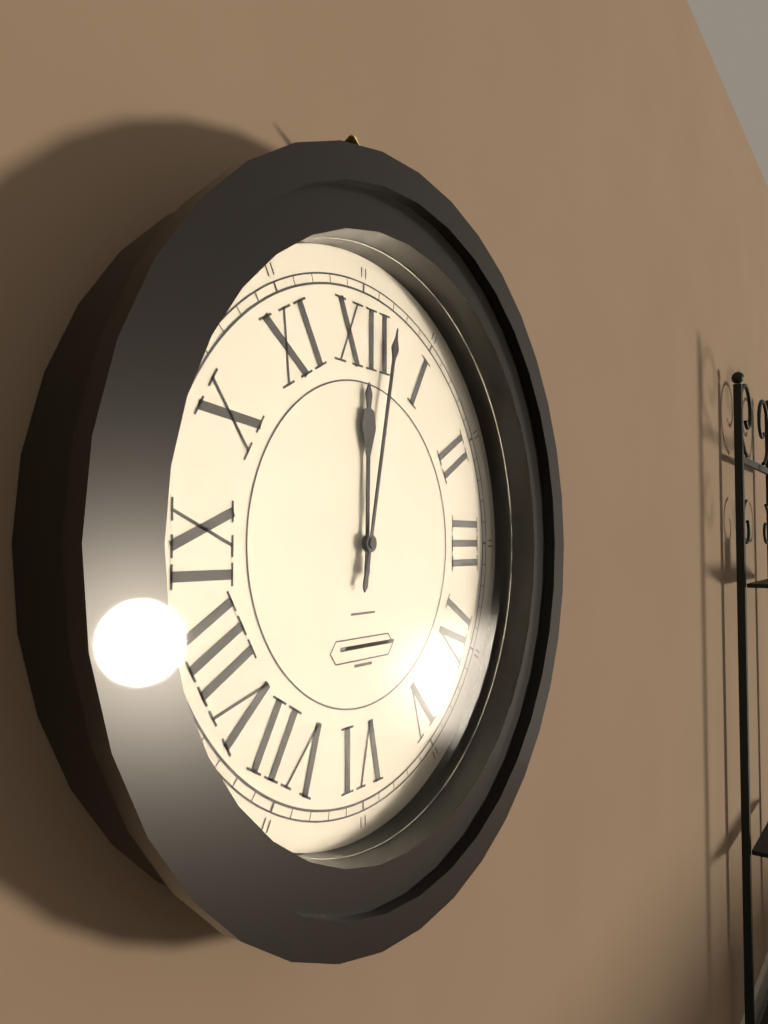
**12:02**
